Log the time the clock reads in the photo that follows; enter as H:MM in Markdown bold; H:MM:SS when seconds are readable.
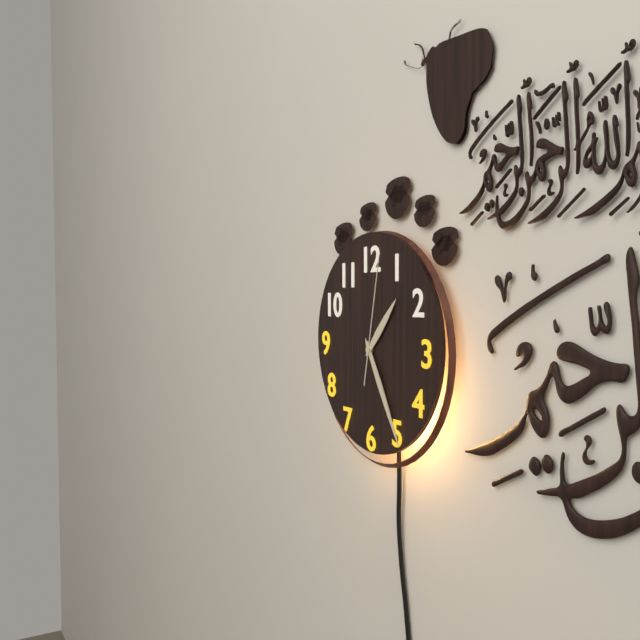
**1:25:02**
